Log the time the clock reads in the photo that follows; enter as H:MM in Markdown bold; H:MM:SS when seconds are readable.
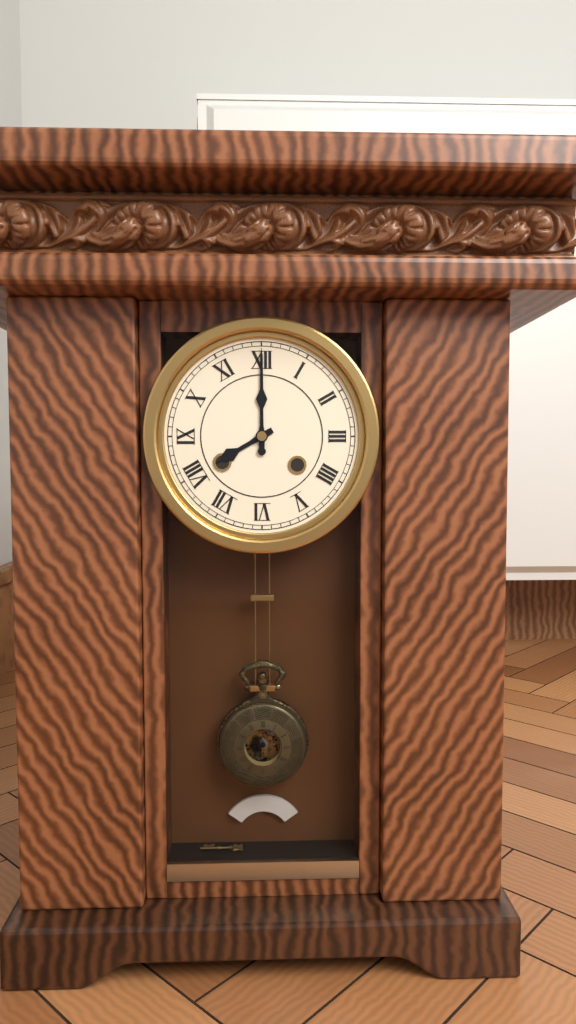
**8:00**
